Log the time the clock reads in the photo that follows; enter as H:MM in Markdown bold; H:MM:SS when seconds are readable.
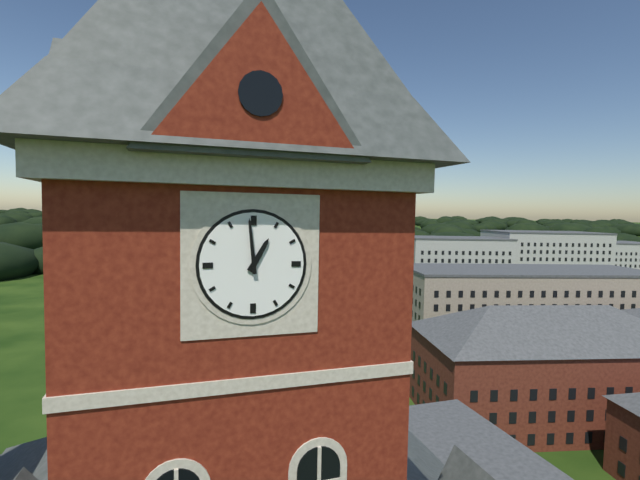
**12:59**
